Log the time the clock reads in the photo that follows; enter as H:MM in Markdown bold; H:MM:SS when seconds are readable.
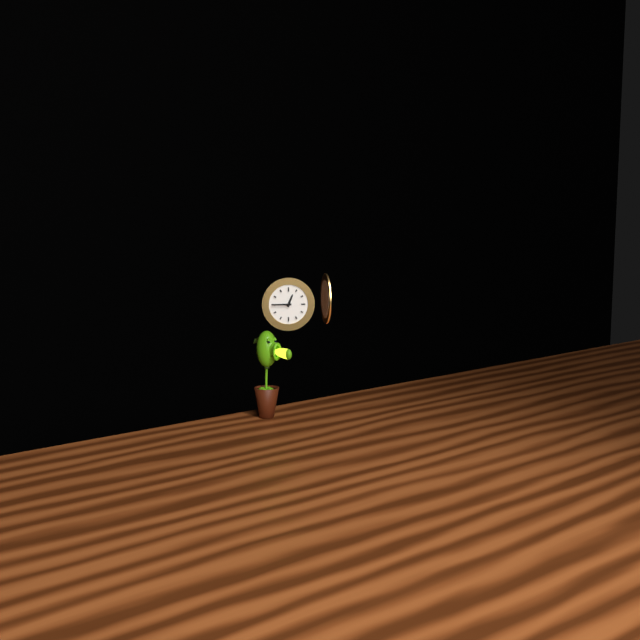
**12:45**
